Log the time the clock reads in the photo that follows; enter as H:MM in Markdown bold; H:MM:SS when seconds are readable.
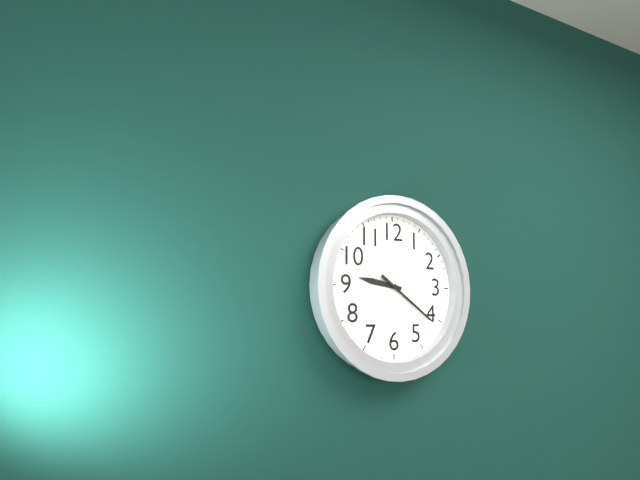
**9:21**
